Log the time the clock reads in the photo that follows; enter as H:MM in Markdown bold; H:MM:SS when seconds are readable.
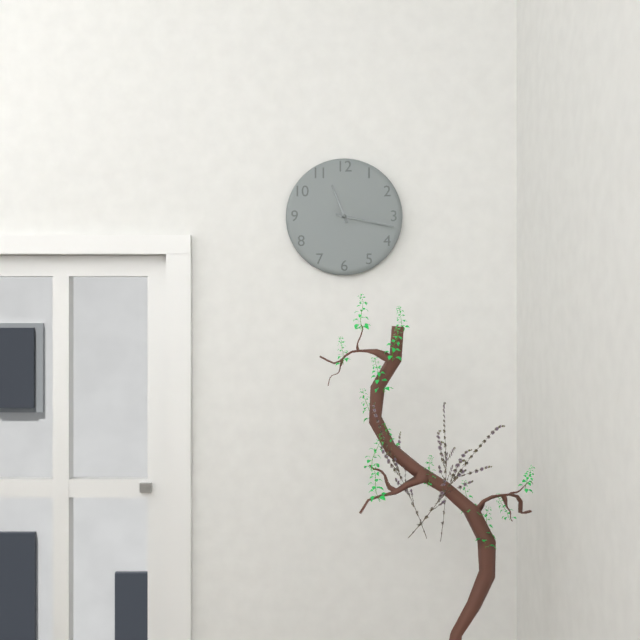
**11:17**
